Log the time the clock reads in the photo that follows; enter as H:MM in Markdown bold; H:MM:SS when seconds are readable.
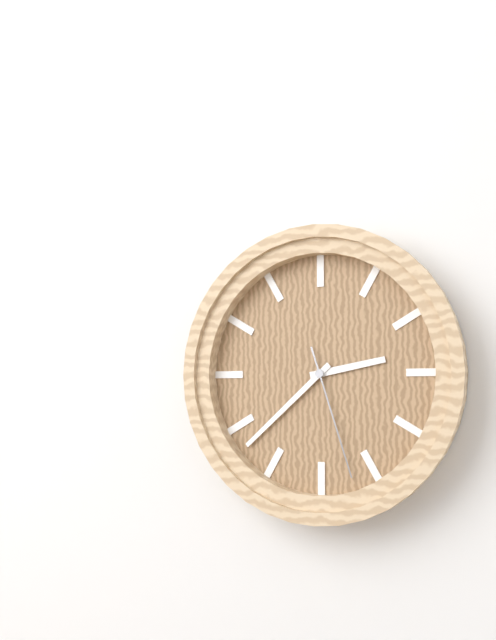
**2:38:27**
